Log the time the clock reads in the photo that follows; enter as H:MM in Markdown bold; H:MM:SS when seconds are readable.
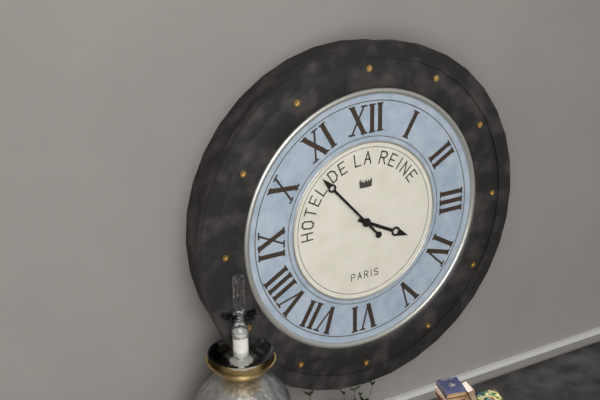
**3:53**
